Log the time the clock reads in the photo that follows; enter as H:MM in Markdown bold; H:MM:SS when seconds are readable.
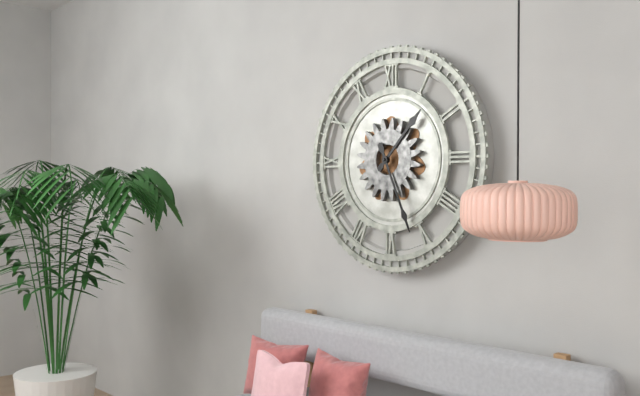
**1:26**
